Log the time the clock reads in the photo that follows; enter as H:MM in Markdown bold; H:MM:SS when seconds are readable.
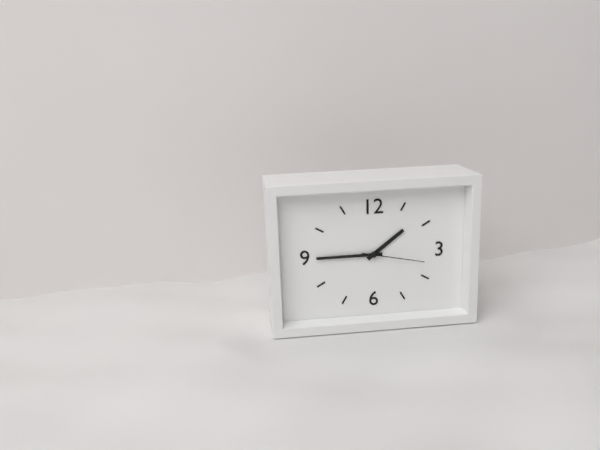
**1:45:17**
